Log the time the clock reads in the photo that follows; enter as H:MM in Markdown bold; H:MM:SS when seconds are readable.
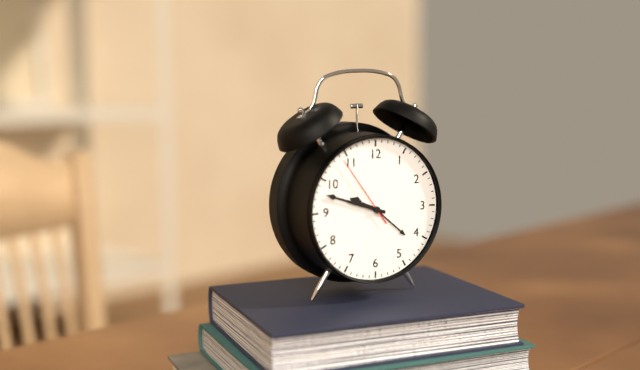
**9:48:54**
